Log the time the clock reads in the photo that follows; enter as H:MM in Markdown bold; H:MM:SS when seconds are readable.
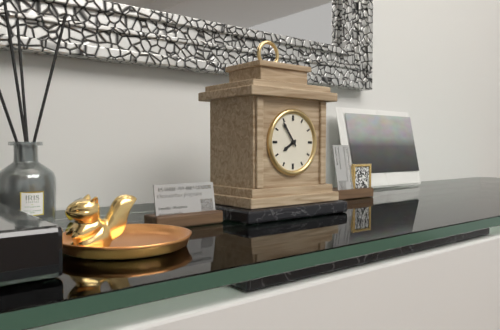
**7:54**
